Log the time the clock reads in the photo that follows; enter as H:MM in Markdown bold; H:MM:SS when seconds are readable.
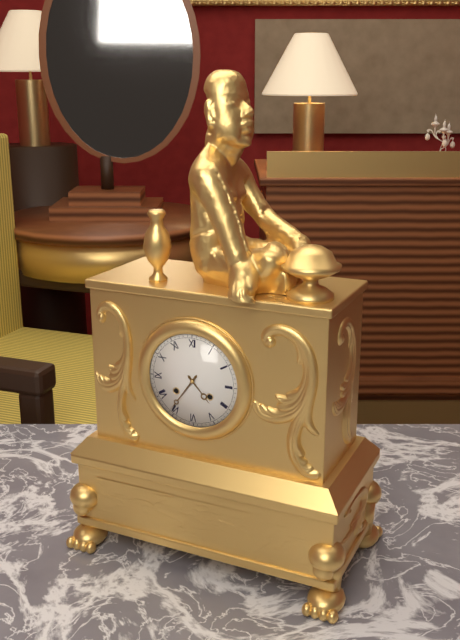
**4:36**
